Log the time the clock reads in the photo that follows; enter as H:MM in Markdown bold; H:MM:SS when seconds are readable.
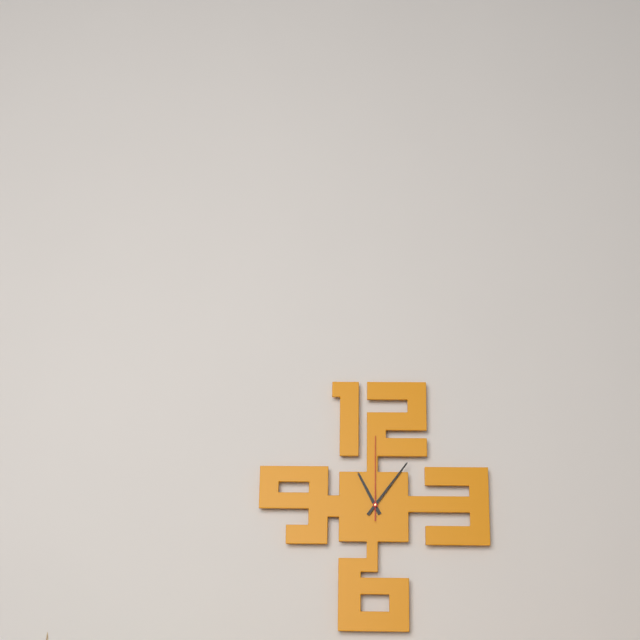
**11:06:00**
